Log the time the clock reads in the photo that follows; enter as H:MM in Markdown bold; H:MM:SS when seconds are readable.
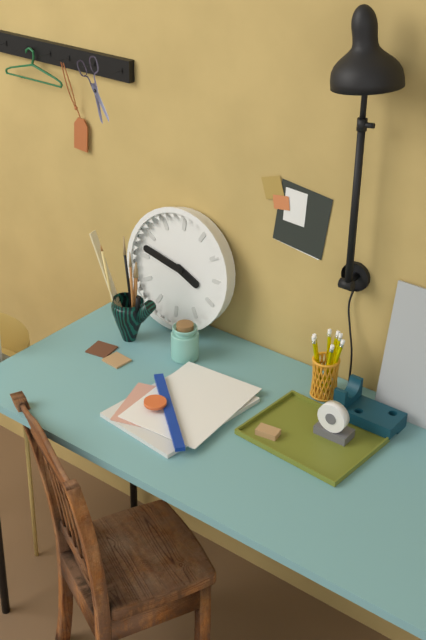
**3:47**
